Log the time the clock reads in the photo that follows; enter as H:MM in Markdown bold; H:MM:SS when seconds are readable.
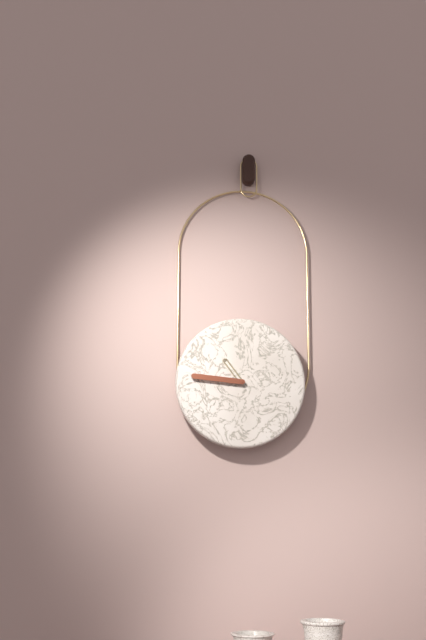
**10:46**
